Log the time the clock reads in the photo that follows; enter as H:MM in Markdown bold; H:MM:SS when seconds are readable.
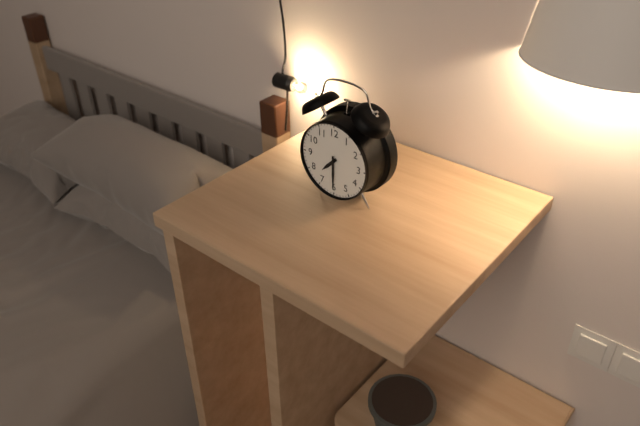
**7:30**
